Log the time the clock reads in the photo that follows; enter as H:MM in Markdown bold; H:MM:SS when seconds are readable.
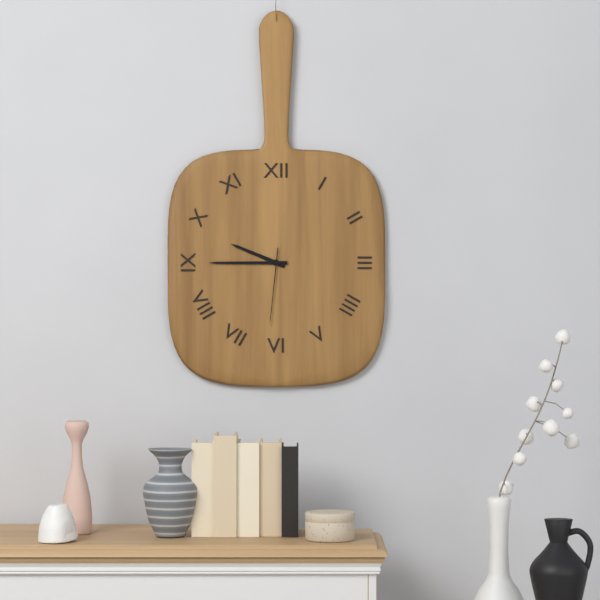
**9:45:31**
